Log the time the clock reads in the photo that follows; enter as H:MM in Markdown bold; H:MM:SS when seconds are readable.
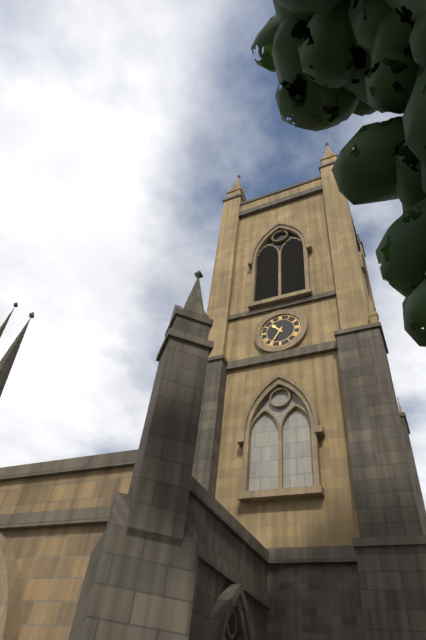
**10:35**
